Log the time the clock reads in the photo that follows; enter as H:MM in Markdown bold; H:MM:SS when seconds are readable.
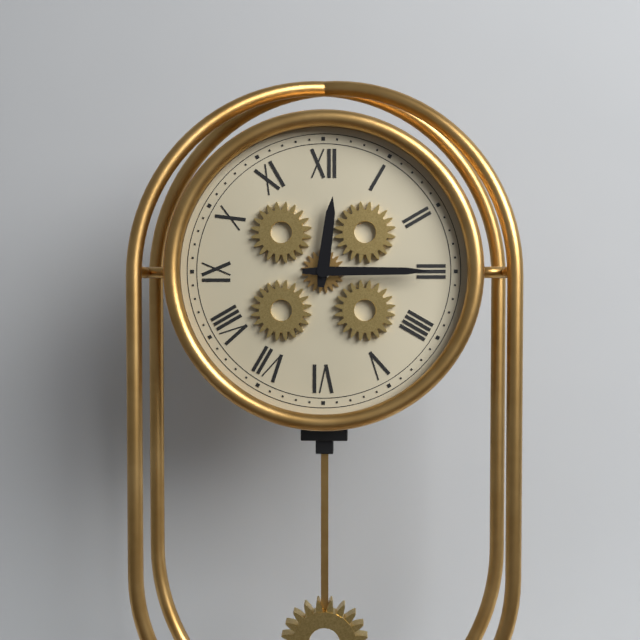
**12:15**
